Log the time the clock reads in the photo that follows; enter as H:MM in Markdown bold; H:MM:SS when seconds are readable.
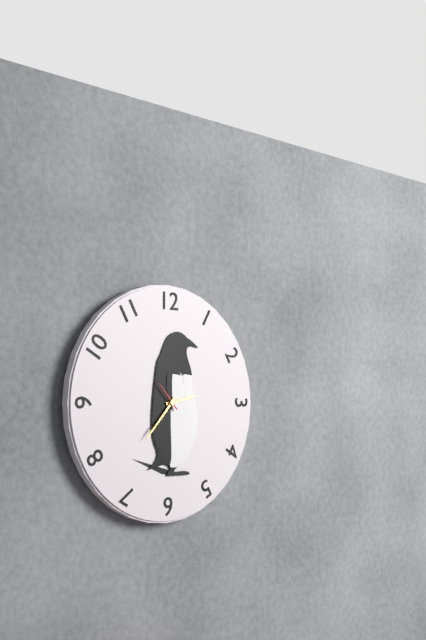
**2:37**
